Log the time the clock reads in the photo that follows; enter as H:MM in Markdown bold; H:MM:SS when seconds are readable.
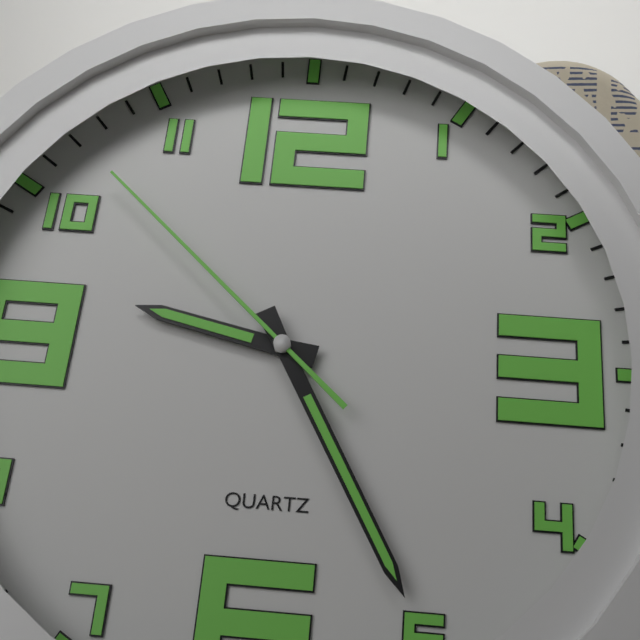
**9:25:52**
